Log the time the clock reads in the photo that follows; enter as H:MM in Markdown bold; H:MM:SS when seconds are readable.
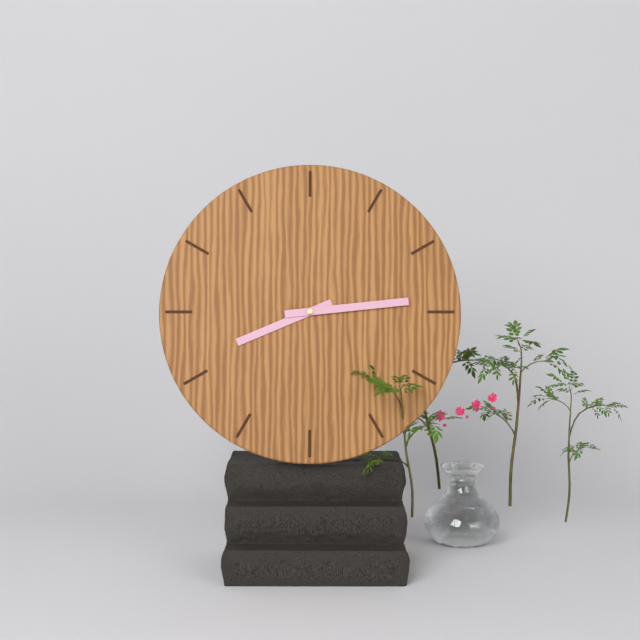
**8:14**
